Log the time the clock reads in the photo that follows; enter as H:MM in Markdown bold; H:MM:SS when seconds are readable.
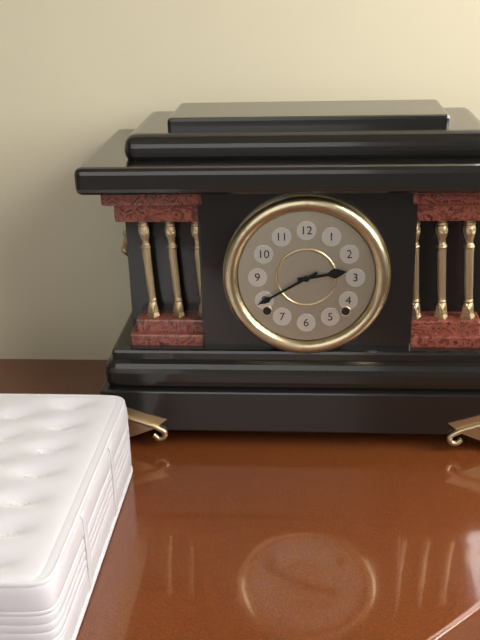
**2:40**
